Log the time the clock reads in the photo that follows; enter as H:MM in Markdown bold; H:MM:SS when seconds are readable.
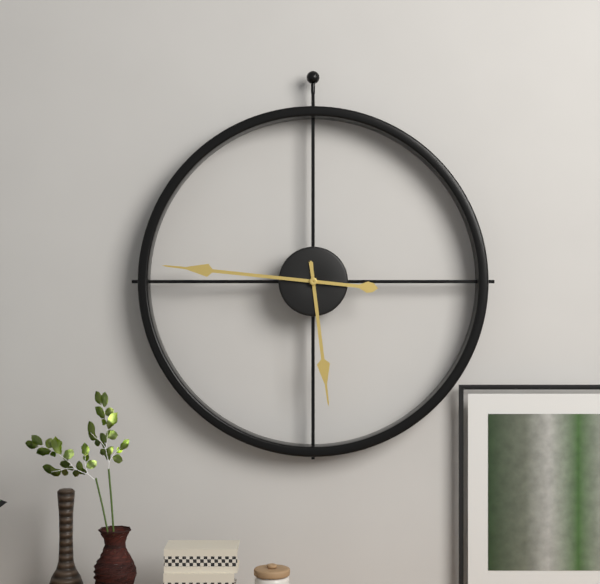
**5:46**
